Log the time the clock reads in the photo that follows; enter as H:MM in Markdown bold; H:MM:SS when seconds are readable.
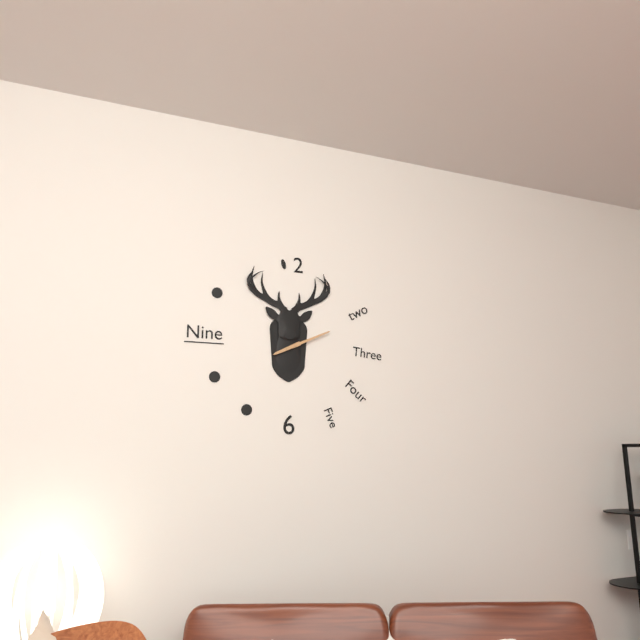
**8:11**
